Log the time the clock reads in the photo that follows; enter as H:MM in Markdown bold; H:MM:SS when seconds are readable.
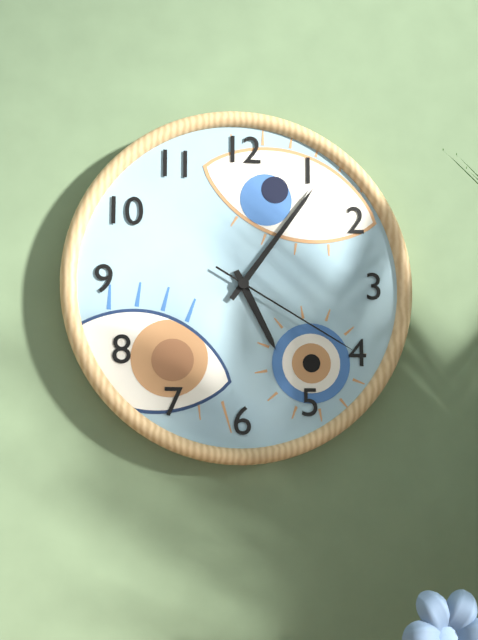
**5:06:20**
